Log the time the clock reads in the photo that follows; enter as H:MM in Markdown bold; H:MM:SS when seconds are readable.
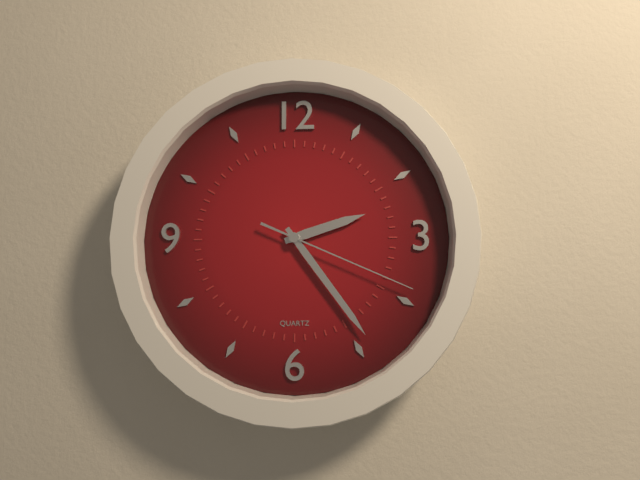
**2:24:19**
